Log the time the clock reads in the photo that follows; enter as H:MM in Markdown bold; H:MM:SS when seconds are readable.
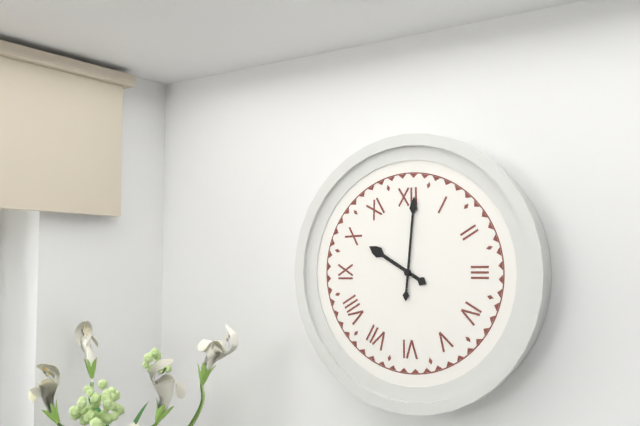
**10:01**
